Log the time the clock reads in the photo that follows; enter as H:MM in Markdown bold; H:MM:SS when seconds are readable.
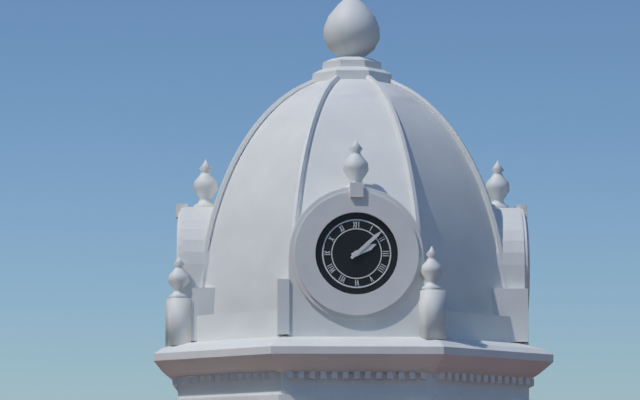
**2:08**
